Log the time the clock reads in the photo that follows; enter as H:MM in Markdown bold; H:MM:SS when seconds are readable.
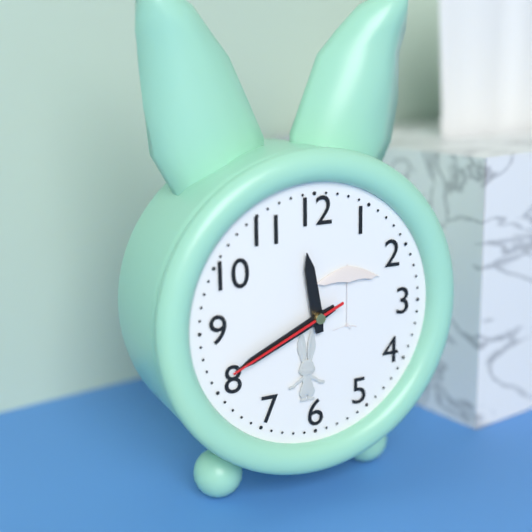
**11:41:41**
